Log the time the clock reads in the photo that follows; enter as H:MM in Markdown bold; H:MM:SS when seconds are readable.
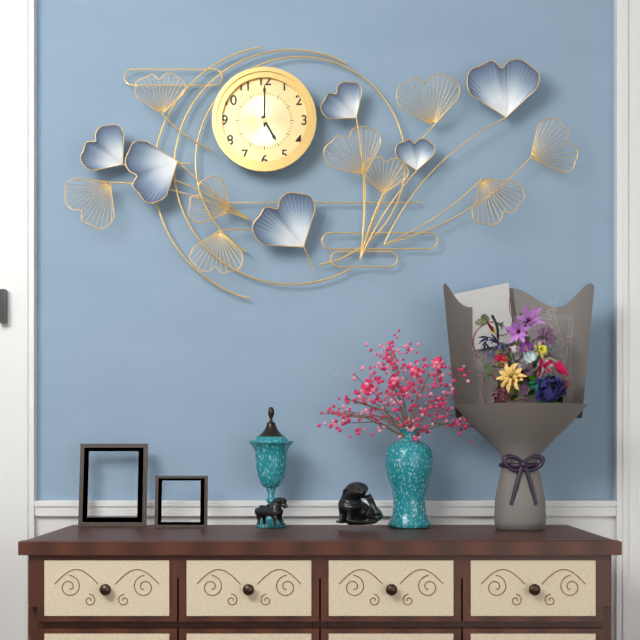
**5:00**
